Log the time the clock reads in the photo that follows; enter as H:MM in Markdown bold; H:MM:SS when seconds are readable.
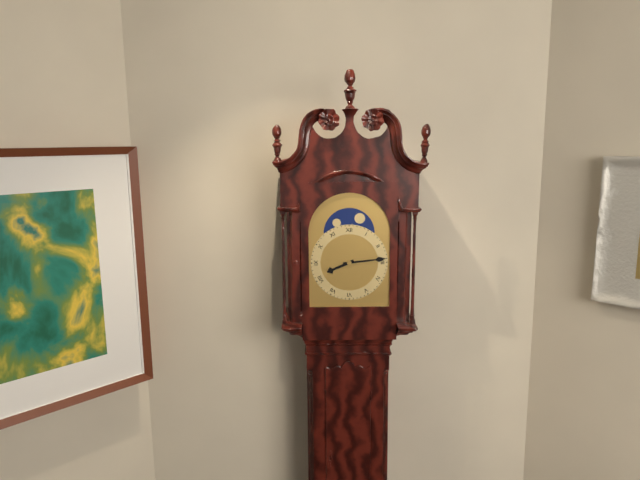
**8:14**
